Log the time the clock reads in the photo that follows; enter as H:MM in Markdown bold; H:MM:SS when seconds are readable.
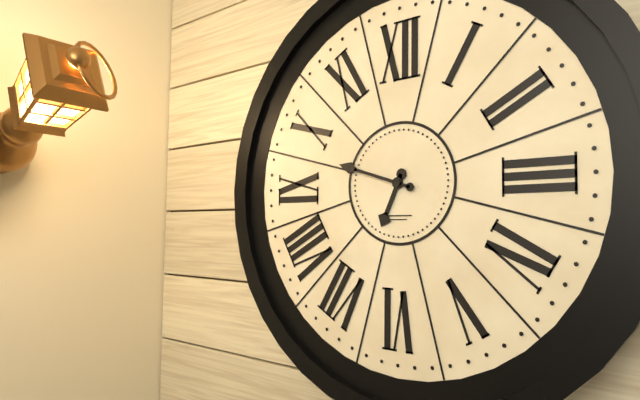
**6:48**
